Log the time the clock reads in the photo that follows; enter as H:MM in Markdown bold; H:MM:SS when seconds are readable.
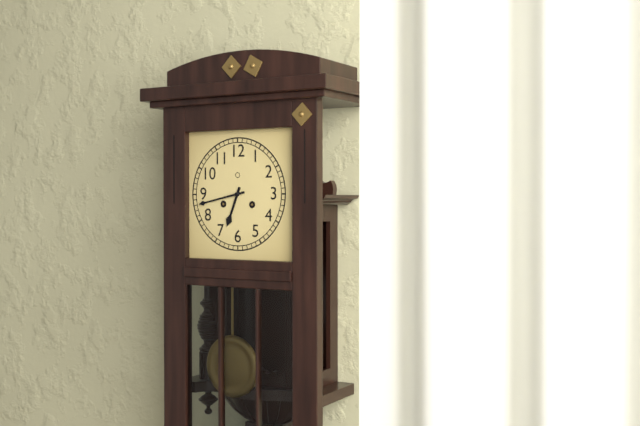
**6:43**
